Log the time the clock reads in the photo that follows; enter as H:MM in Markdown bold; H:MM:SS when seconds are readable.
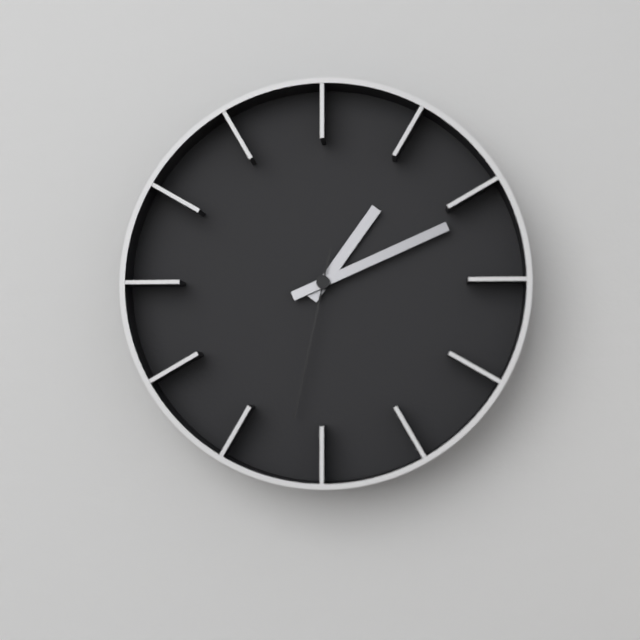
**1:11:32**
